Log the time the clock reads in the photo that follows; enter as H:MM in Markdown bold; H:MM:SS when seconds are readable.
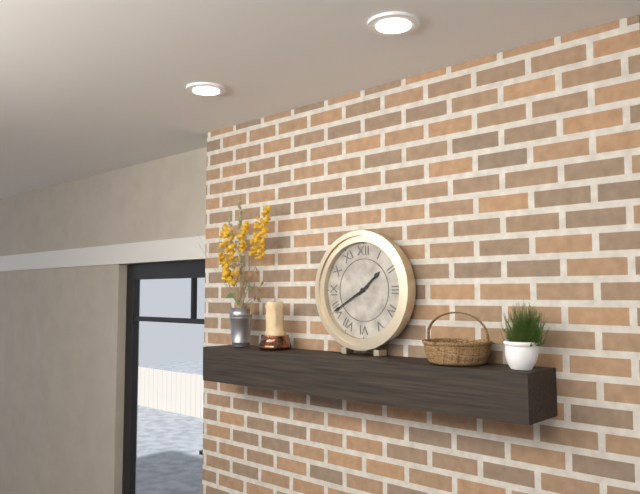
**1:40**
